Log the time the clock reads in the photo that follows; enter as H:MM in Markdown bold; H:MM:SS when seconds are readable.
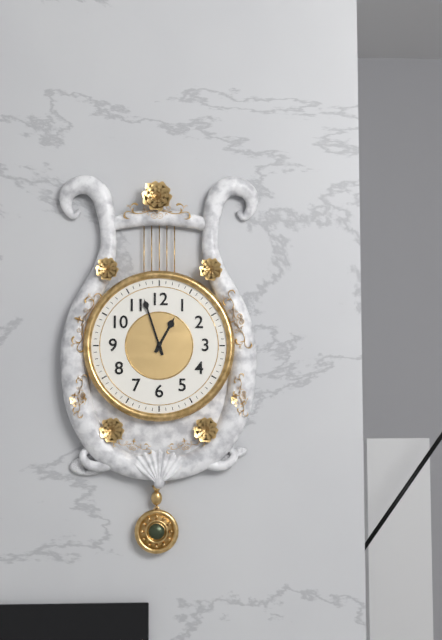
**12:57**
